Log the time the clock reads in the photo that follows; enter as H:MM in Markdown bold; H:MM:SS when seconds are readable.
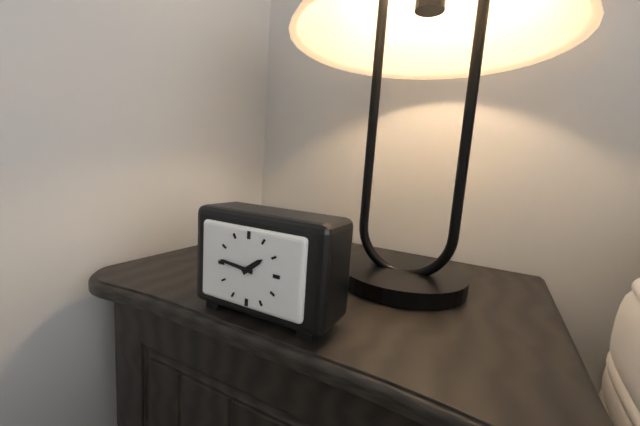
**1:46**
